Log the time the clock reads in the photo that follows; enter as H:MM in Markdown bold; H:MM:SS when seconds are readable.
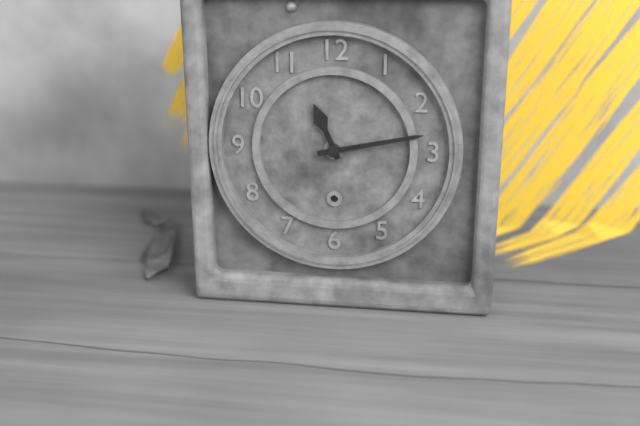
**11:13**
